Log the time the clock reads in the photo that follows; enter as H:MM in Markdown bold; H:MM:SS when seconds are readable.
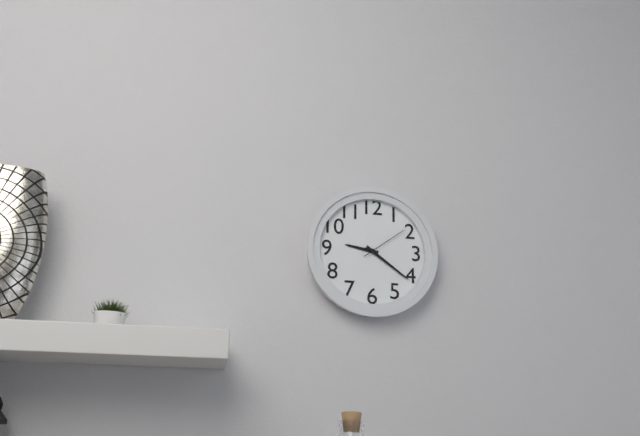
**9:21**
